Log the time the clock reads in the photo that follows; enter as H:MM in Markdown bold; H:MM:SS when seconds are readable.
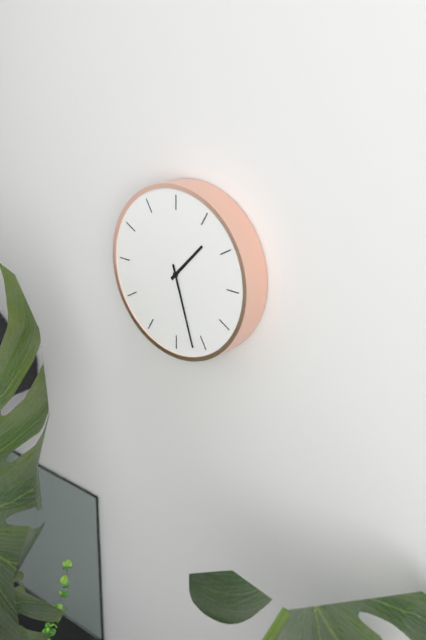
**1:27**
